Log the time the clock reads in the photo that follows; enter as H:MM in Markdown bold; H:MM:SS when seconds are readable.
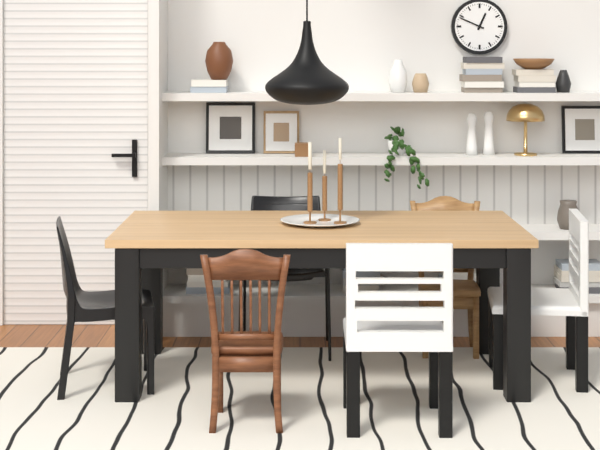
**12:49**
